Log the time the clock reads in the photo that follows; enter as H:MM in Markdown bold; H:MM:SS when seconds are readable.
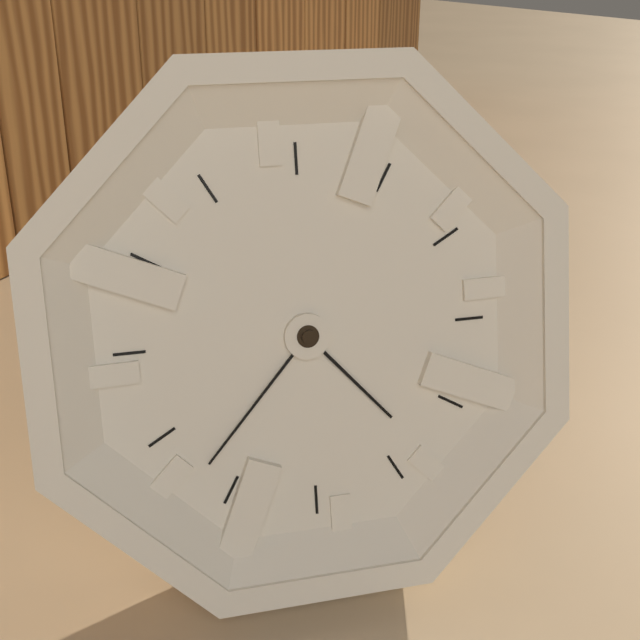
**4:37**
